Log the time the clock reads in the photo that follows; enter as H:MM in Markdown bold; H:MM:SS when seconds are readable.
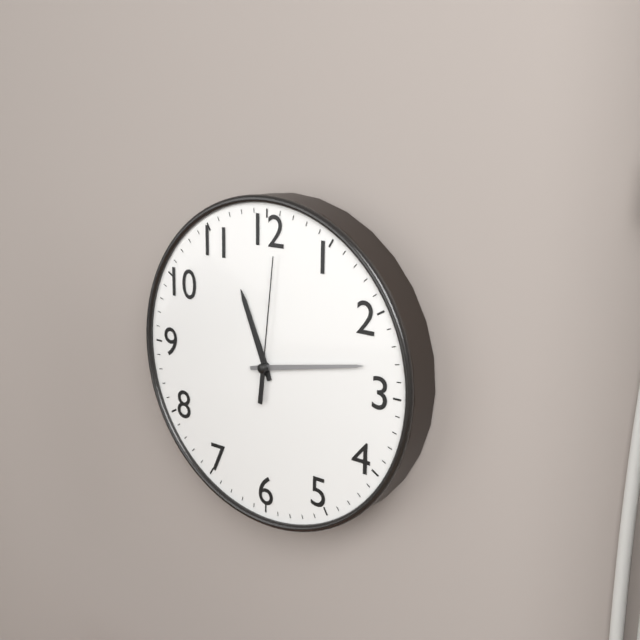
**11:13:01**
